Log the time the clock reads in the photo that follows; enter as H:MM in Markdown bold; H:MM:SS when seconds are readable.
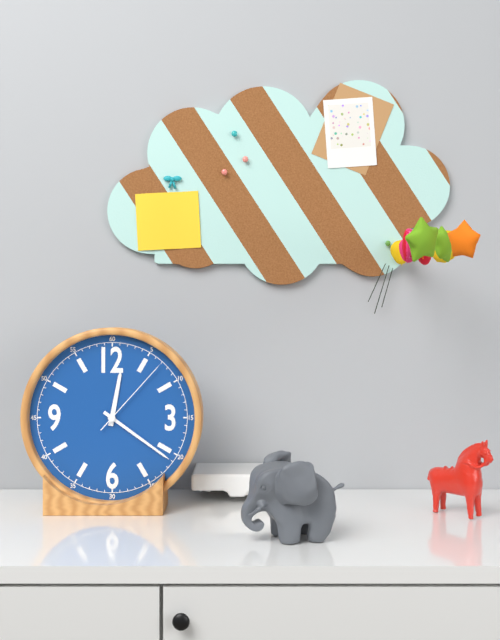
**12:21:07**
